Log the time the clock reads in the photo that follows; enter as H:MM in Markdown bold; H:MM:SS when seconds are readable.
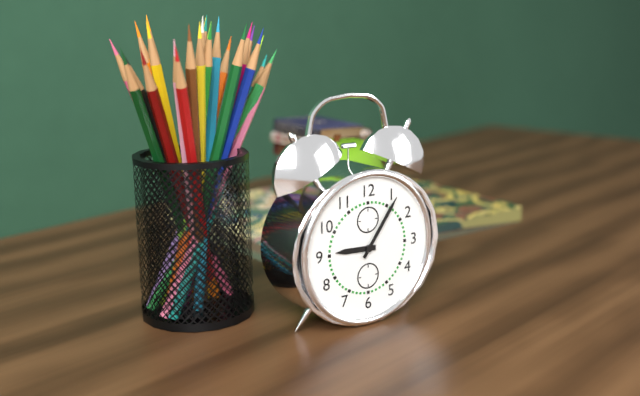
**9:06**
